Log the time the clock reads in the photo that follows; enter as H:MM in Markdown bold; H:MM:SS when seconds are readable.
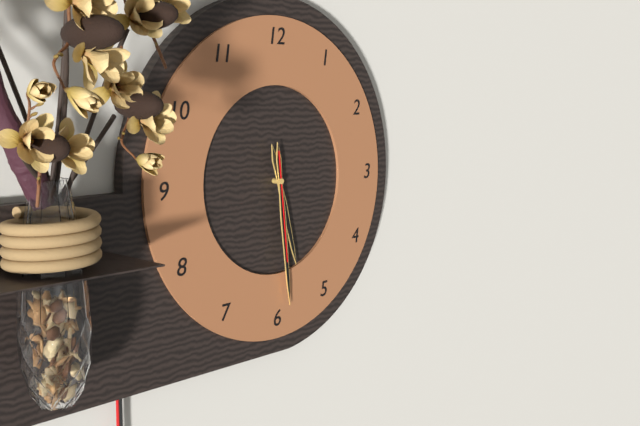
**5:29:29**
